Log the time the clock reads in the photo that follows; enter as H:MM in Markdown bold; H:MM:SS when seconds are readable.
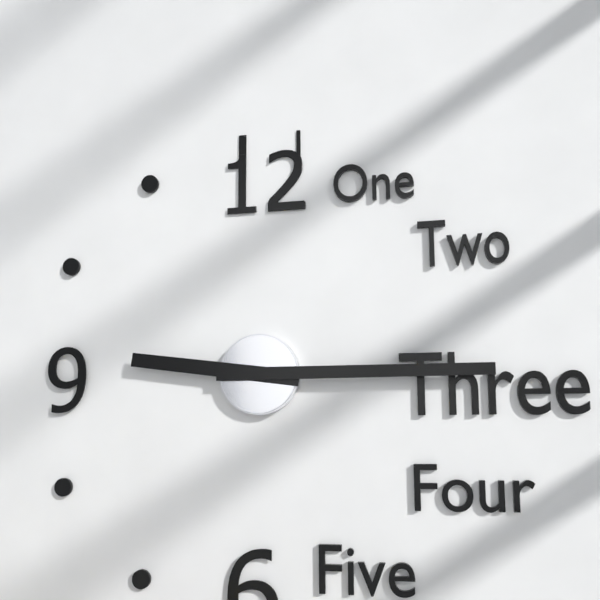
**9:15**
